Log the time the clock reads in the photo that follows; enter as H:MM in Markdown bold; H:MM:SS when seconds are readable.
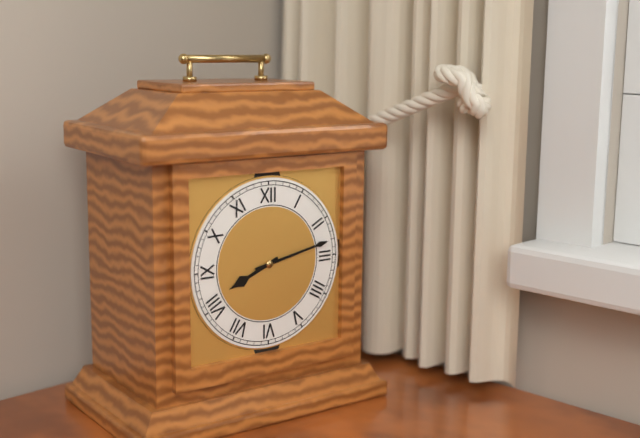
**8:13**
